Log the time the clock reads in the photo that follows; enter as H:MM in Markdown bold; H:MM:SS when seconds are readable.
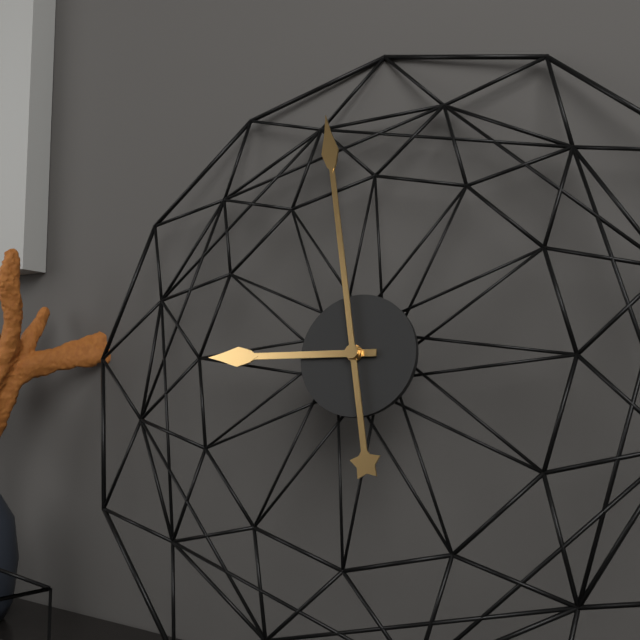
**8:58**
